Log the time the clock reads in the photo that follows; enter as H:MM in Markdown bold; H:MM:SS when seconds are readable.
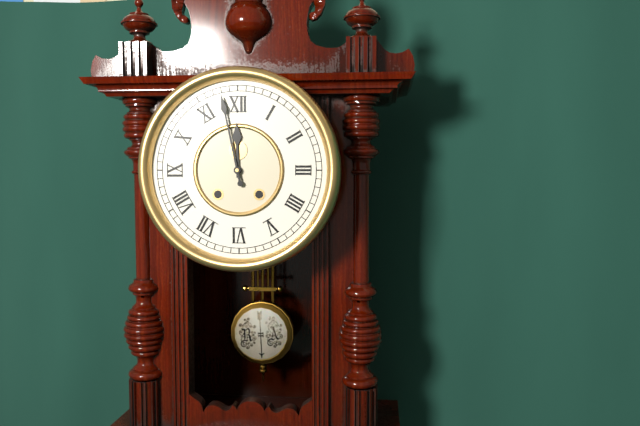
**11:58**
